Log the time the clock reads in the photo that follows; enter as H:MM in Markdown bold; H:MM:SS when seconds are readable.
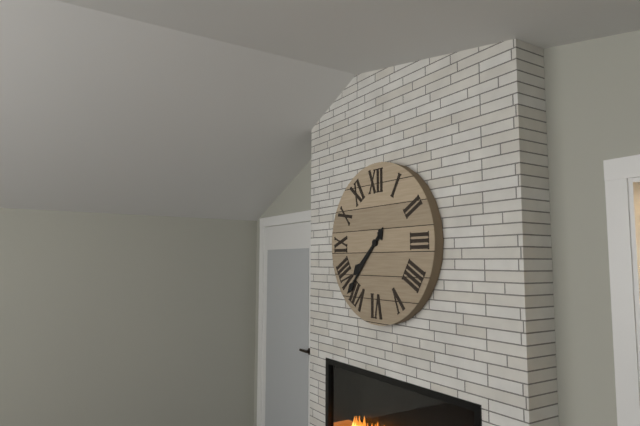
**7:37**
